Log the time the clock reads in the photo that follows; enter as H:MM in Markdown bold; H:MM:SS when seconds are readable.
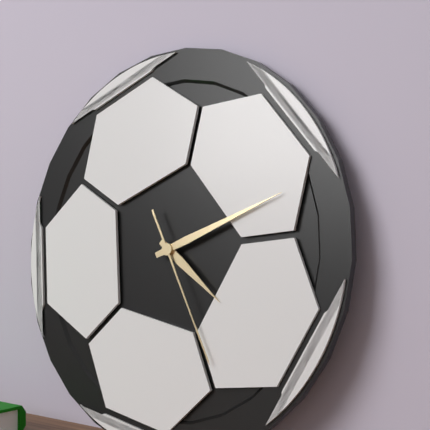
**4:11:25**
